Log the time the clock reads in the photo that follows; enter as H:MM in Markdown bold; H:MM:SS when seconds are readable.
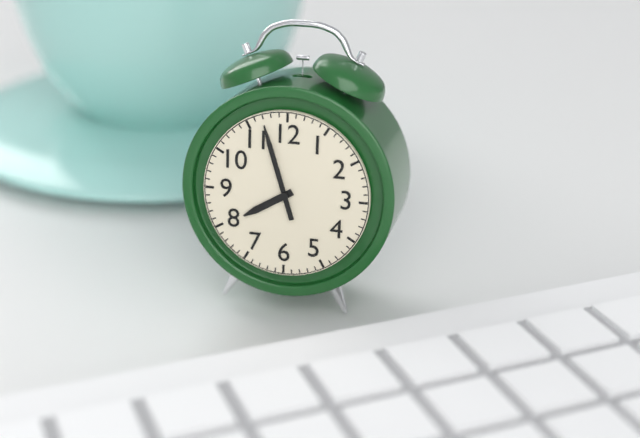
**7:57**
